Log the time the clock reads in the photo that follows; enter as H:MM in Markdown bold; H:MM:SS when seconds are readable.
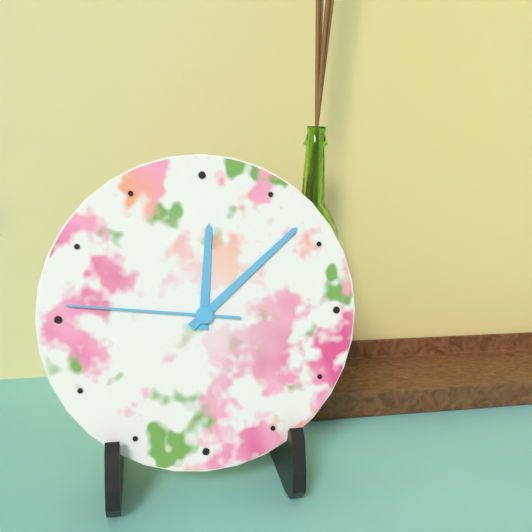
**12:08:46**
